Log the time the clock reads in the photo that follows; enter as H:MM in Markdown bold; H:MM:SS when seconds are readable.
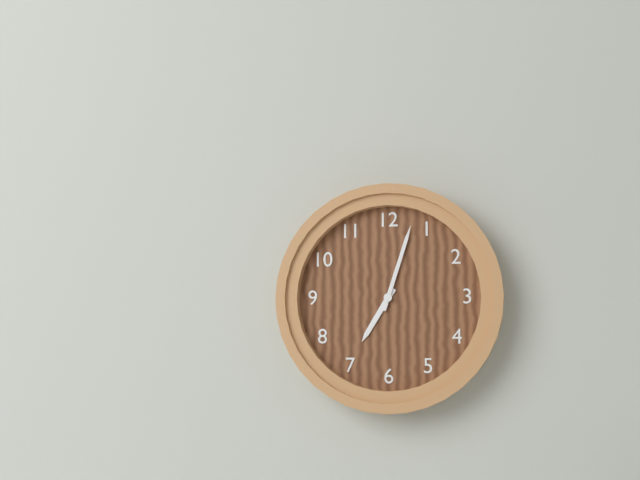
**7:03**
